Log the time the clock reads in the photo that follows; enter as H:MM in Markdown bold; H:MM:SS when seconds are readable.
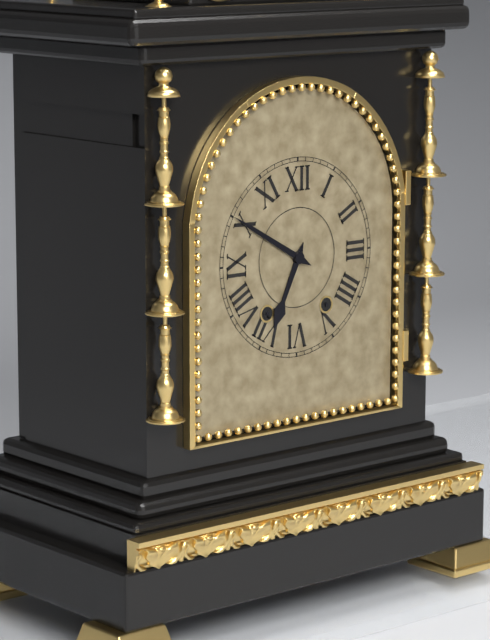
**6:50**
